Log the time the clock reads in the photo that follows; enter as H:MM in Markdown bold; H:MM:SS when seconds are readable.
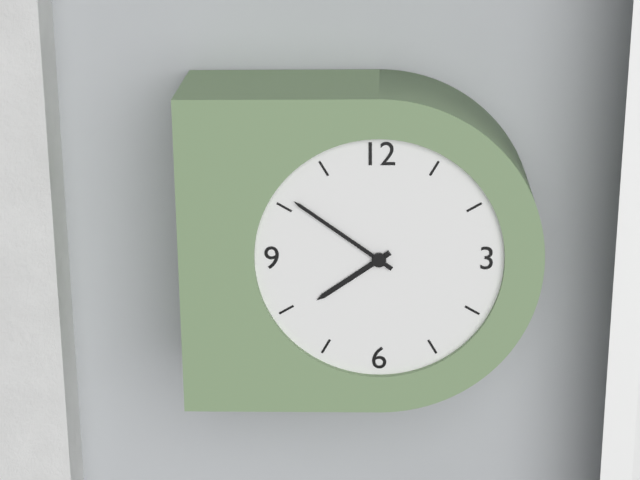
**7:51**
